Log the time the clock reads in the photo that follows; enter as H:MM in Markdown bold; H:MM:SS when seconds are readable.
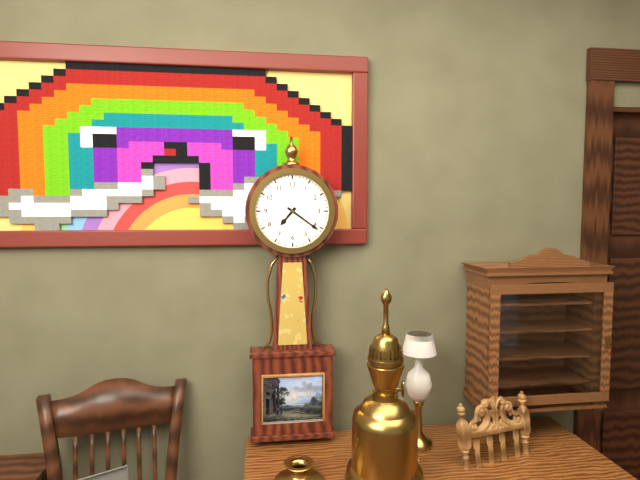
**7:21**
